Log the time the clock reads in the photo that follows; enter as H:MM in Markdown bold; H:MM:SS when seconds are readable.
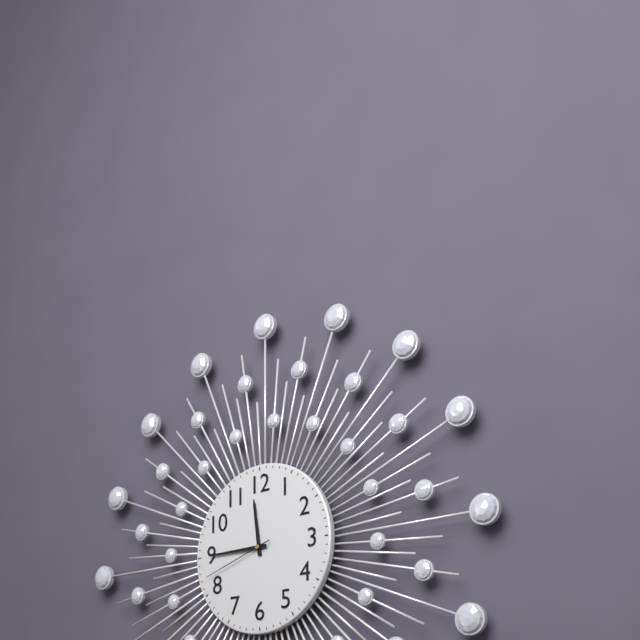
**11:45:42**
